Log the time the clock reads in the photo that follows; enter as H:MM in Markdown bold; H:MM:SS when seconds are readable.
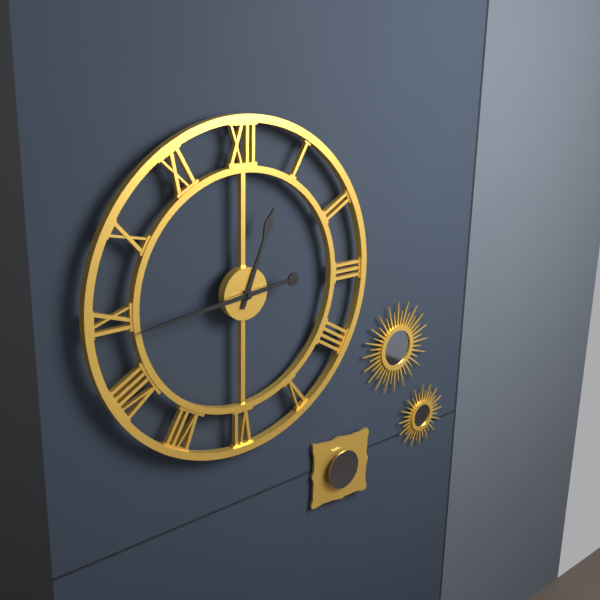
**12:44**
